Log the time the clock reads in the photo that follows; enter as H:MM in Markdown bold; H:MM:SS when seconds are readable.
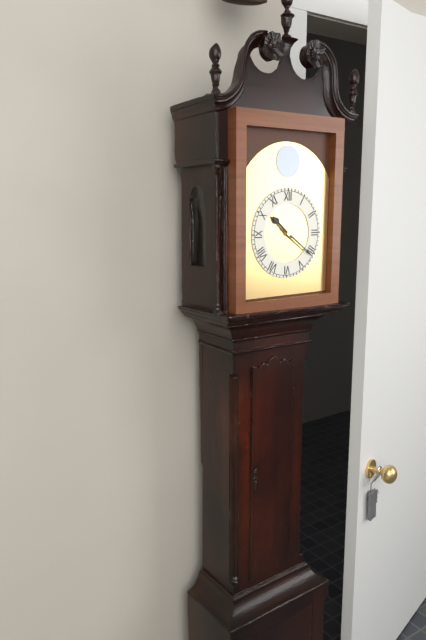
**10:21**
